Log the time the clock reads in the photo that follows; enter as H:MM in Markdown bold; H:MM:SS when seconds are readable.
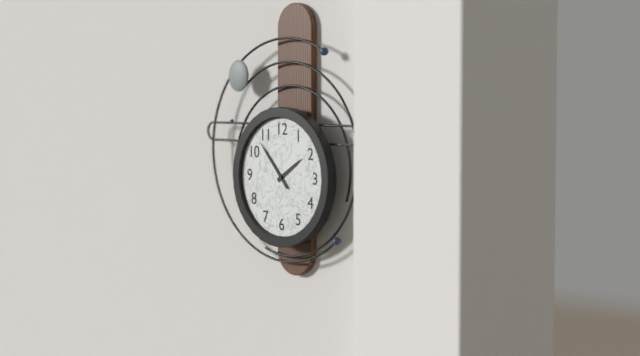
**1:53**
